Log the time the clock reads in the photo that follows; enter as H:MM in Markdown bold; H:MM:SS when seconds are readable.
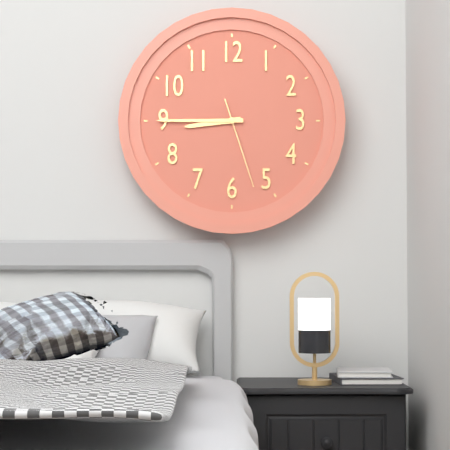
**8:45:27**
